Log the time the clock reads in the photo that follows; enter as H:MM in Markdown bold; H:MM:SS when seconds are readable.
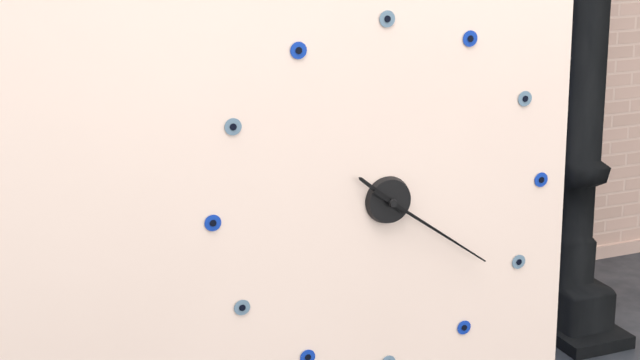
**10:21**
